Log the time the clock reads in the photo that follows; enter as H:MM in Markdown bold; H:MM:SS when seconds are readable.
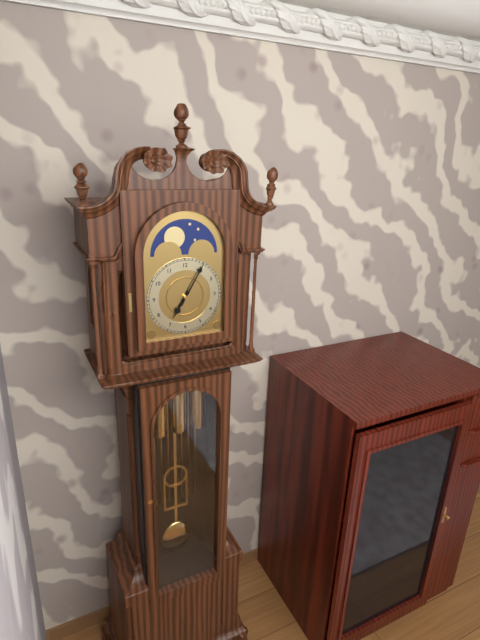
**7:05**
